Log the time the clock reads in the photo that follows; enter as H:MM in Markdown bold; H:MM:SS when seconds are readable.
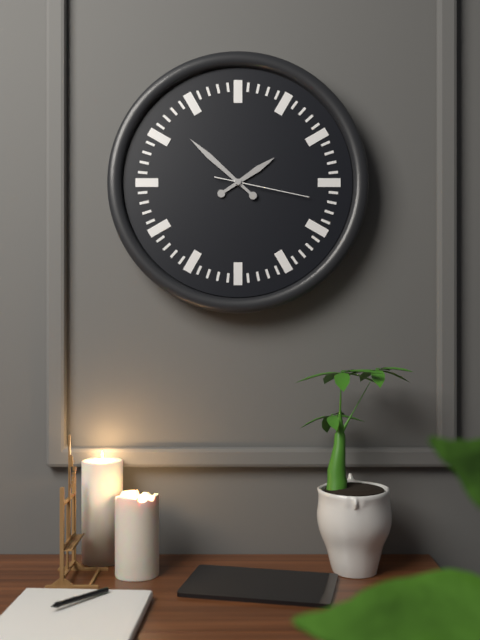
**1:52:17**
